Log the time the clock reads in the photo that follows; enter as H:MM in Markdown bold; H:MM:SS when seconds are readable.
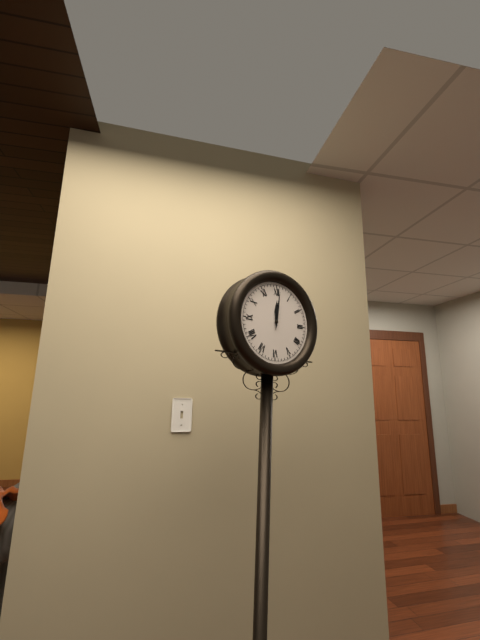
**12:01**
